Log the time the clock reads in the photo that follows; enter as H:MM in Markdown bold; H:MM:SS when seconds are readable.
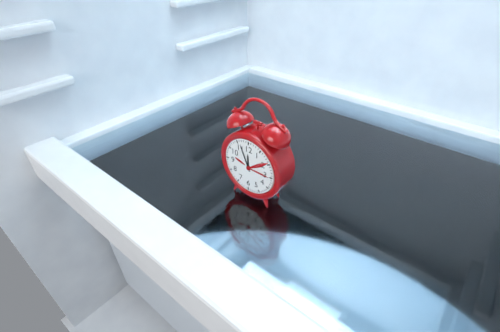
**11:56**
